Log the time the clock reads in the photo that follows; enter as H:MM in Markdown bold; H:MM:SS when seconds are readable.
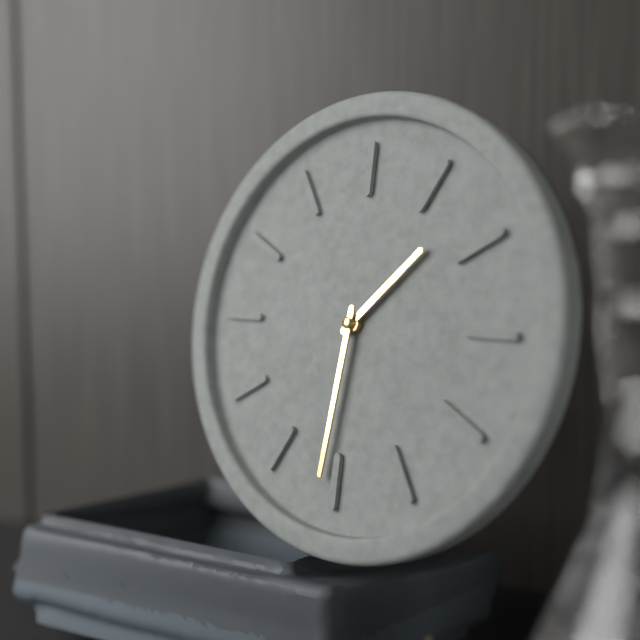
**1:31**
